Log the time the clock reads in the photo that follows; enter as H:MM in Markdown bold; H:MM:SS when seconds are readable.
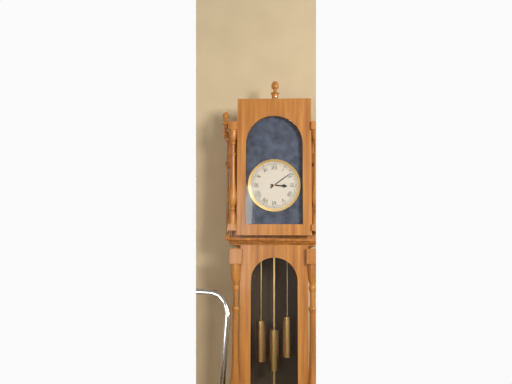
**3:09**
